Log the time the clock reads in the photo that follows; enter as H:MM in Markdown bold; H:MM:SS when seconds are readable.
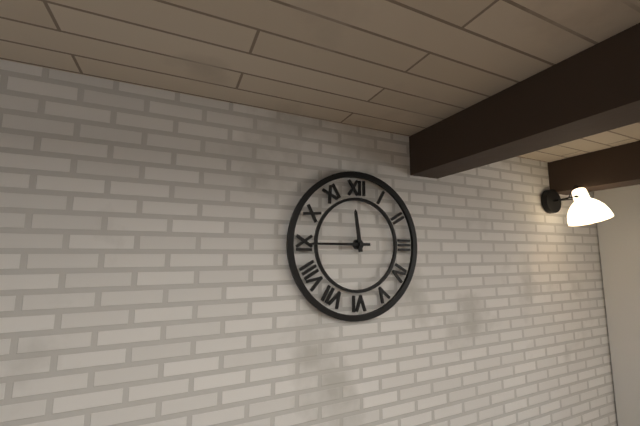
**11:45**
